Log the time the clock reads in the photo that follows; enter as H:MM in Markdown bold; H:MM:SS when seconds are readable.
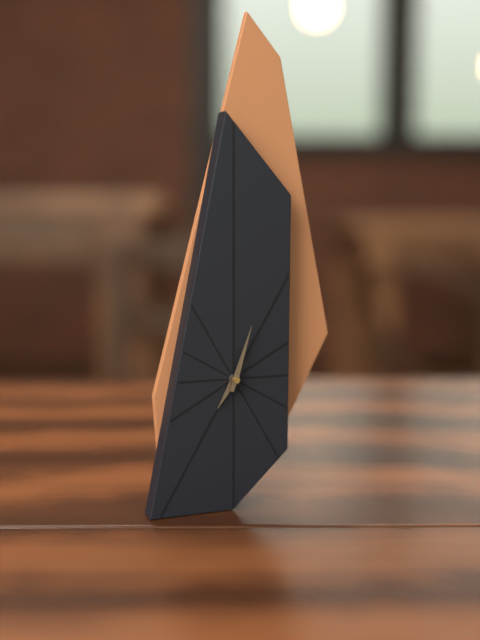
**7:03**
